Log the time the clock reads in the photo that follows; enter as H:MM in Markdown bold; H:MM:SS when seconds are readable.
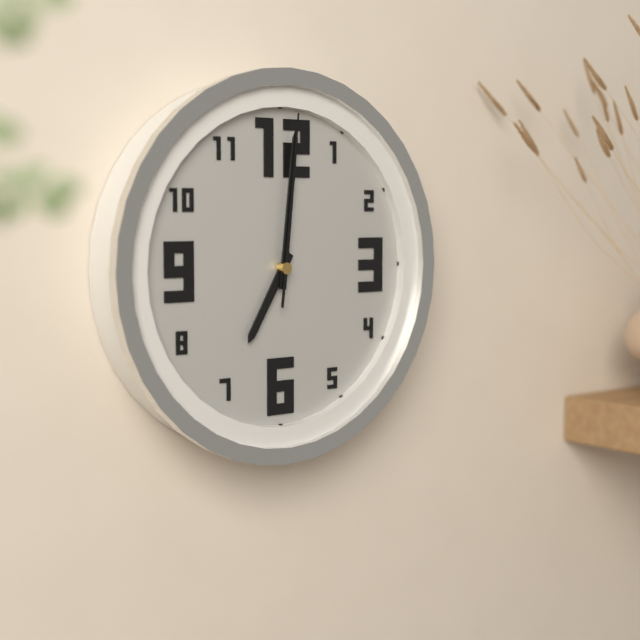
**7:01:01**
